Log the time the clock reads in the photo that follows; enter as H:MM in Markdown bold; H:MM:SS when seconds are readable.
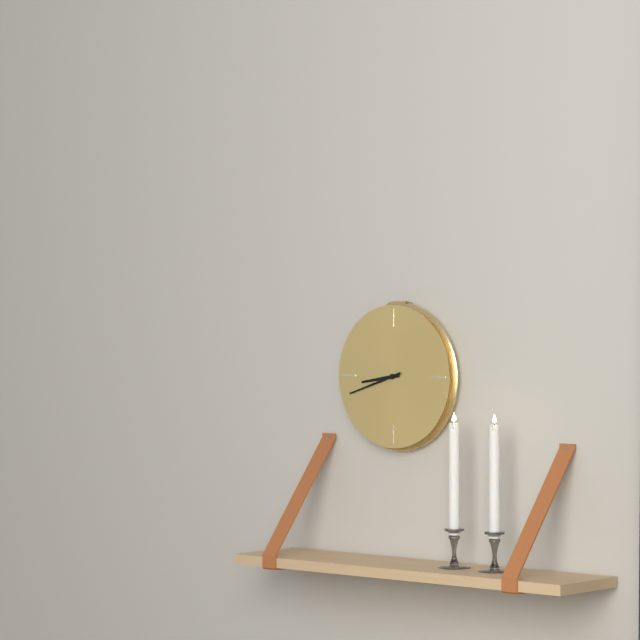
**8:42**
